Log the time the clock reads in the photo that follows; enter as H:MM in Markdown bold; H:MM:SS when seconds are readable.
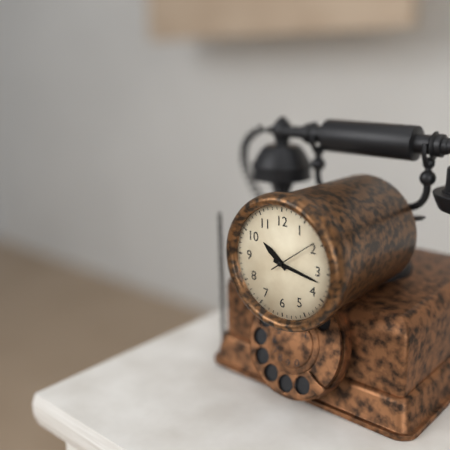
**10:17**
